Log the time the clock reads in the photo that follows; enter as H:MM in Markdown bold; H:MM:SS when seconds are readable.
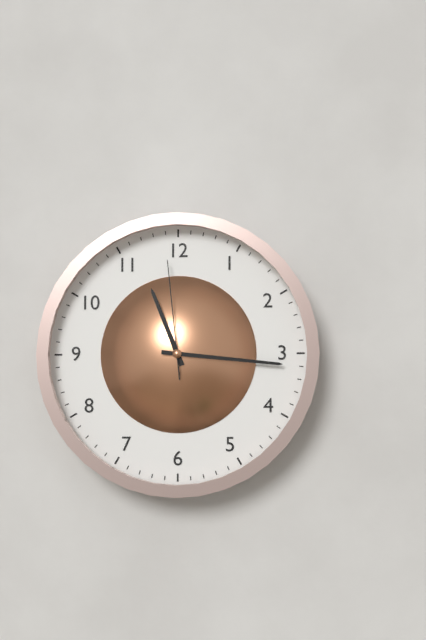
**11:16:59**
